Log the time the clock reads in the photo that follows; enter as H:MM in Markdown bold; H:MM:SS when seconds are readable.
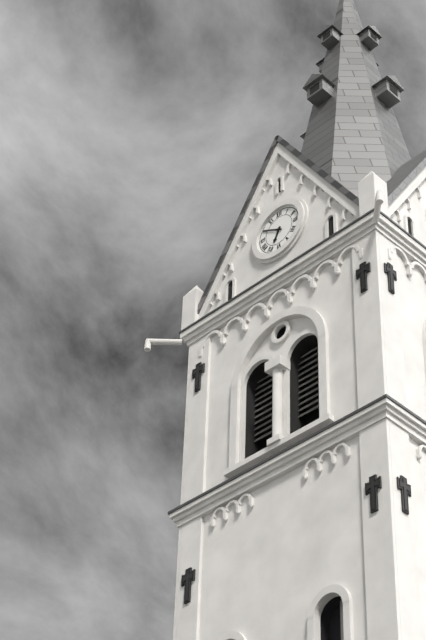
**6:50**
